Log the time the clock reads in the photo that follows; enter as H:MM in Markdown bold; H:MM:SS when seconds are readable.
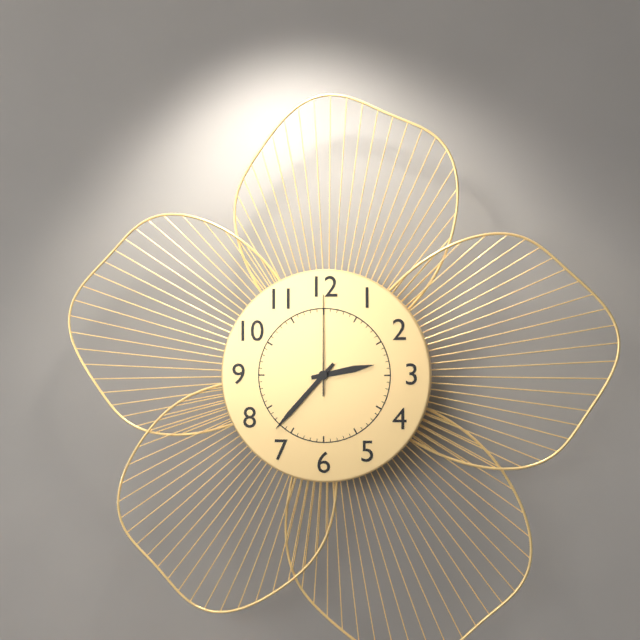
**2:37:00**
